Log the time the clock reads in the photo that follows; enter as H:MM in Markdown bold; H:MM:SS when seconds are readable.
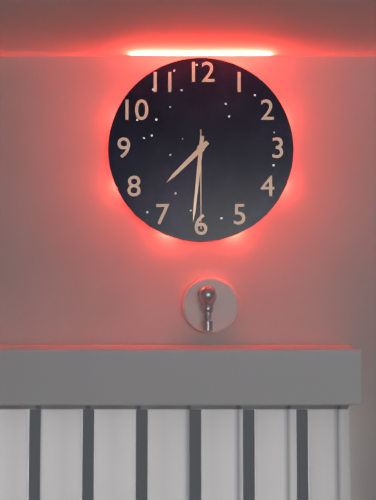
**7:31:30**
